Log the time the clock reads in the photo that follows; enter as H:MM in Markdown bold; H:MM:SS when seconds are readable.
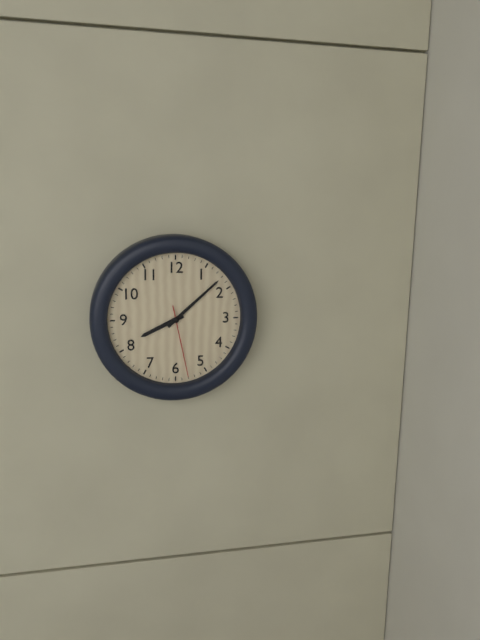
**8:08:28**
